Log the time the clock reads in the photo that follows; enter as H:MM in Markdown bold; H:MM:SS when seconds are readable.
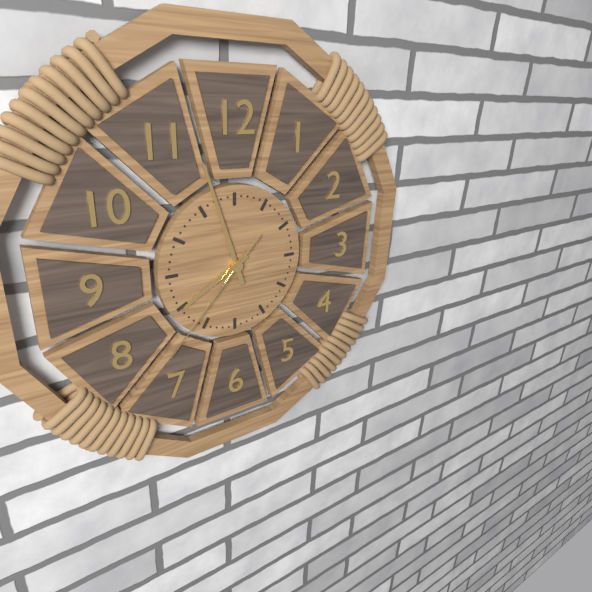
**7:57:37**
